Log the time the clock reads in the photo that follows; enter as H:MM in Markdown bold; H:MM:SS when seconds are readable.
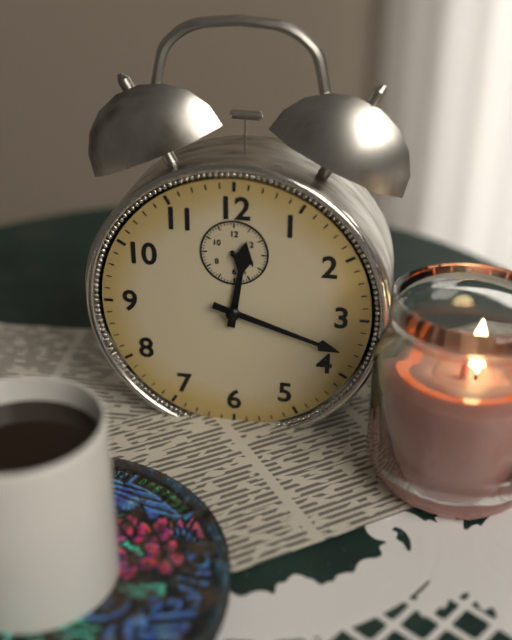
**12:18**
